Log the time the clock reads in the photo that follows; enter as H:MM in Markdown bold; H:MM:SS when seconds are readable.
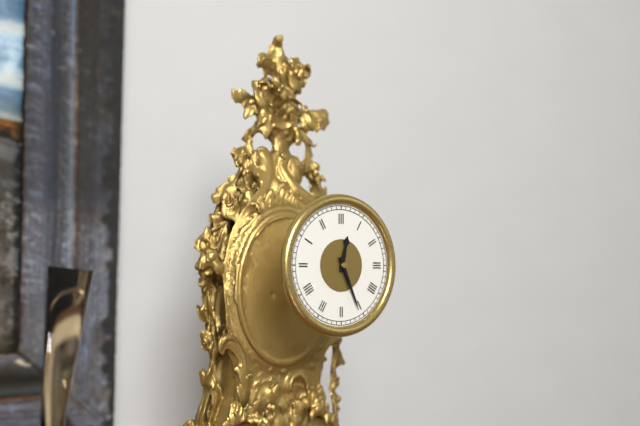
**12:26**
